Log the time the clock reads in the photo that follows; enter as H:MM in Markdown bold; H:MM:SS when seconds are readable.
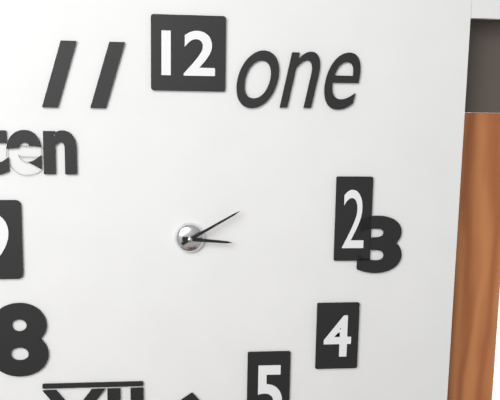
**3:10**
